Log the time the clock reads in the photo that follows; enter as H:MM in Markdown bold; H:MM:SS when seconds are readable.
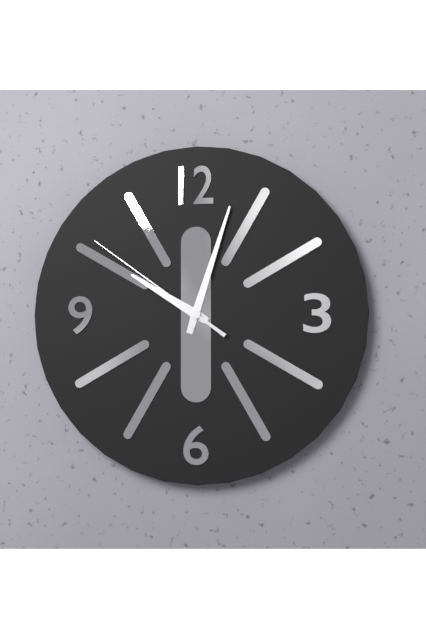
**10:03:51**
